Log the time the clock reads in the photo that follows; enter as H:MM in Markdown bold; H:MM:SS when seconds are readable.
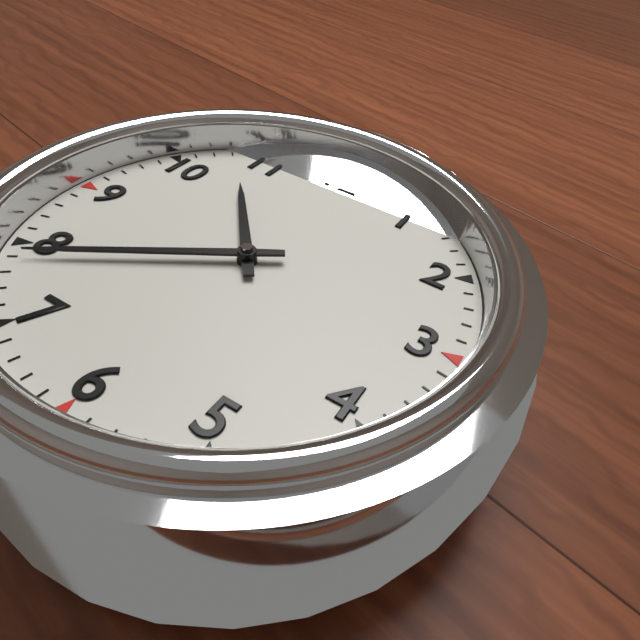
**10:39**
